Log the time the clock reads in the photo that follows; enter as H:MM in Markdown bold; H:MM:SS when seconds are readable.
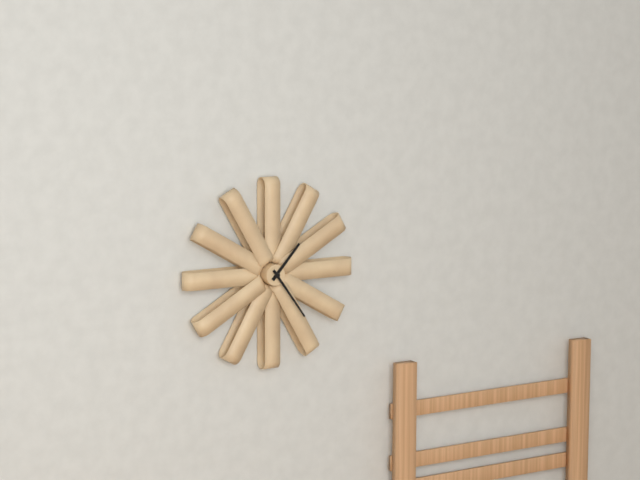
**1:24**
